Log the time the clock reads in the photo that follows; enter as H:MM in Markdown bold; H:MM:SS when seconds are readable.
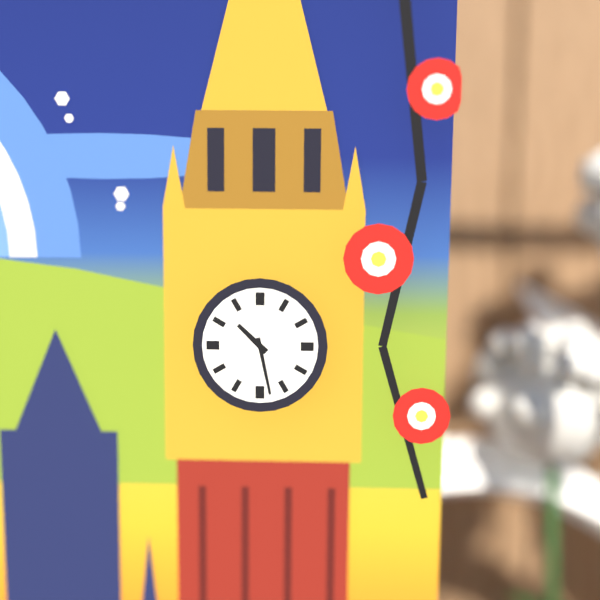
**10:28**
